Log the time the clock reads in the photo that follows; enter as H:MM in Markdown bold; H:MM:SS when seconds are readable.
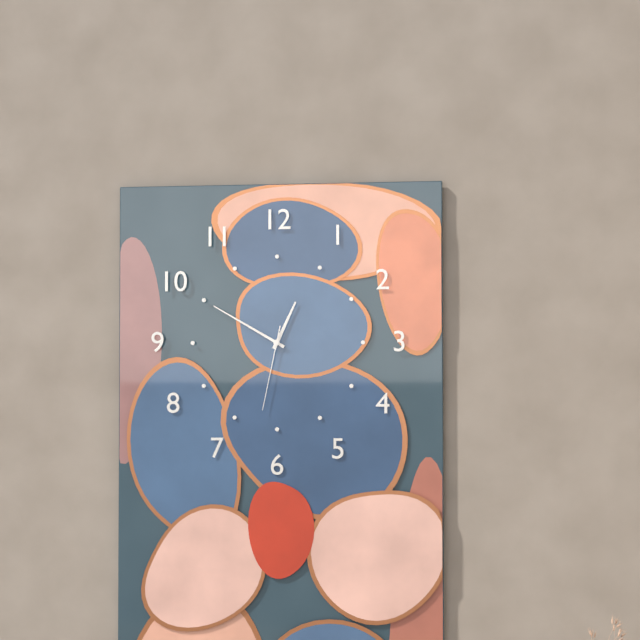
**12:50:32**
